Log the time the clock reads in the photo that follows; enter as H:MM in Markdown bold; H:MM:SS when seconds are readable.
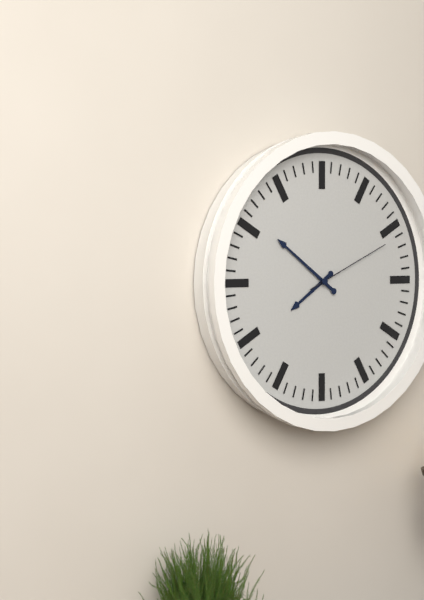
**7:51:11**
